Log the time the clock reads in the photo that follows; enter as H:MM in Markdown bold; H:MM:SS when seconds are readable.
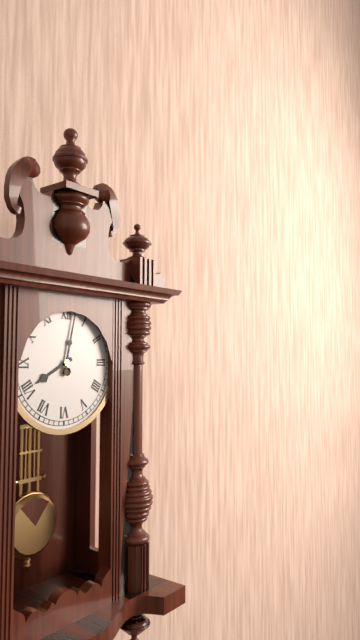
**8:02**
